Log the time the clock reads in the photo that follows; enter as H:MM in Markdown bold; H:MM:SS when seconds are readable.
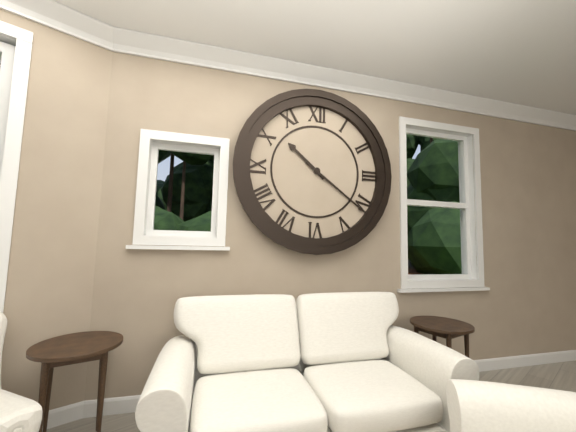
**10:21**
